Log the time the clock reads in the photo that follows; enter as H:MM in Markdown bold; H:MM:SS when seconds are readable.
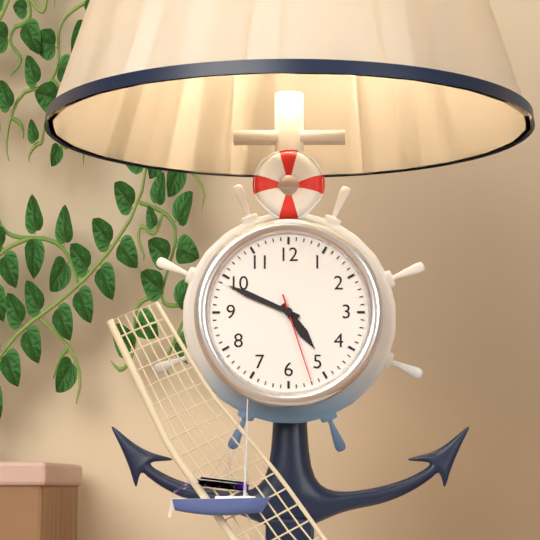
**4:49:27**
